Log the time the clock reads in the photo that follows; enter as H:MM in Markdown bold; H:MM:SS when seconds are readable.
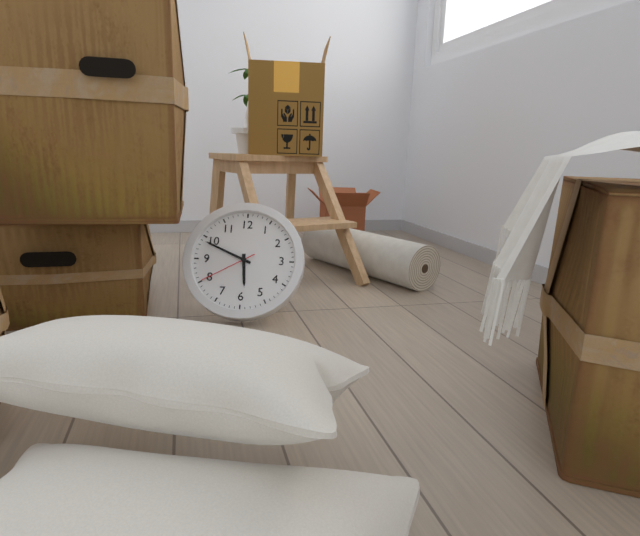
**5:49:40**
